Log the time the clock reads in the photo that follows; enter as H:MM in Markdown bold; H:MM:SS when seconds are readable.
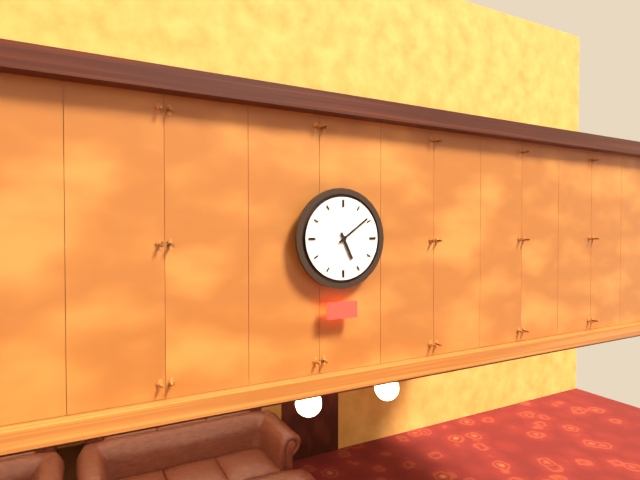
**5:09**
